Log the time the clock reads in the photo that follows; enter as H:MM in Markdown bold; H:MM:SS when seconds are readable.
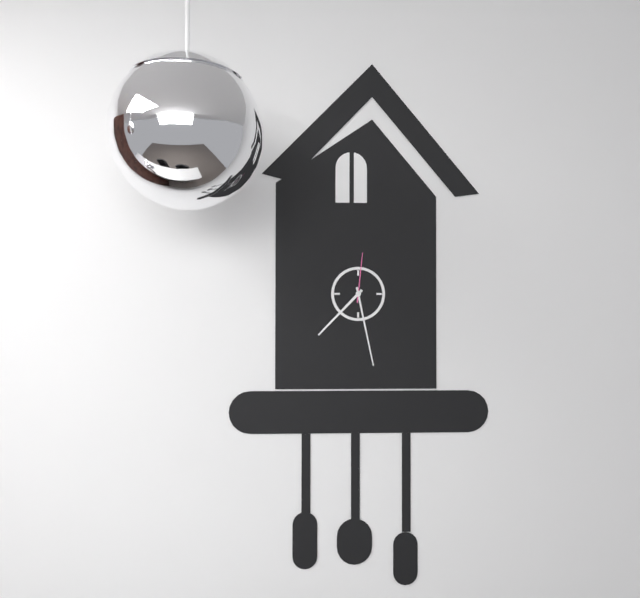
**7:28:01**
